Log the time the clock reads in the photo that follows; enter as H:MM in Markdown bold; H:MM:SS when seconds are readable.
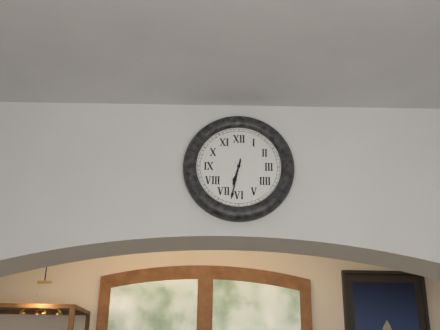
**6:32**
